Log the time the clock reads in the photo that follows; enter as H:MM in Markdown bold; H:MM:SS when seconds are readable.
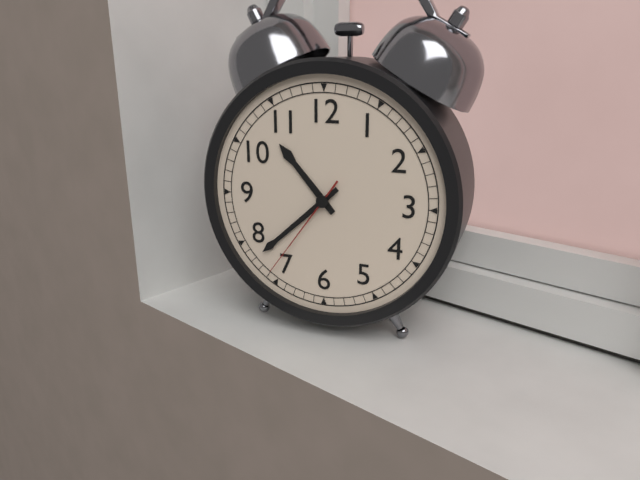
**10:38:36**
